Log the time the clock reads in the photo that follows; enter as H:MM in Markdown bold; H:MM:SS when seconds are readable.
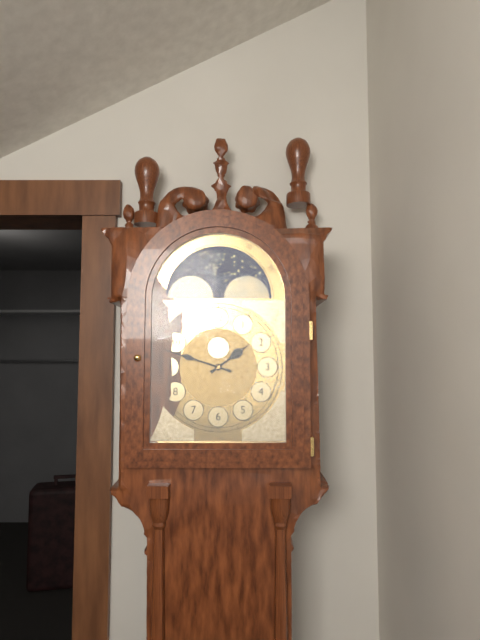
**1:48**
